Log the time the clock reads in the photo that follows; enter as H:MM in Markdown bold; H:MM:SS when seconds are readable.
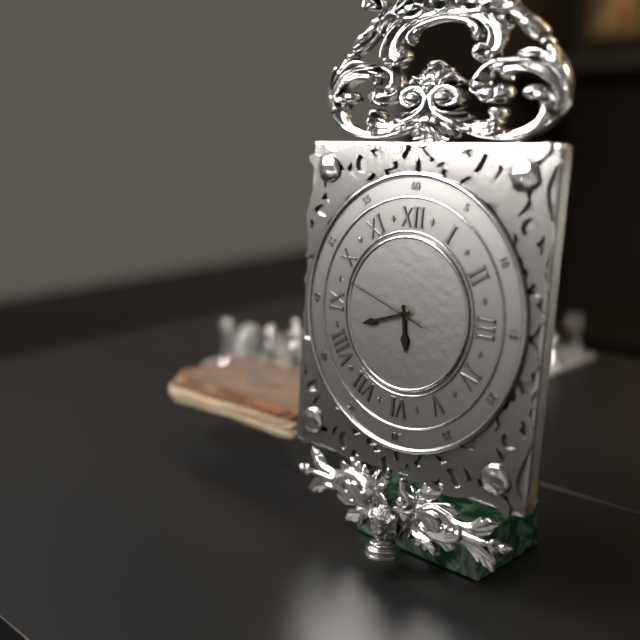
**5:42:48**
